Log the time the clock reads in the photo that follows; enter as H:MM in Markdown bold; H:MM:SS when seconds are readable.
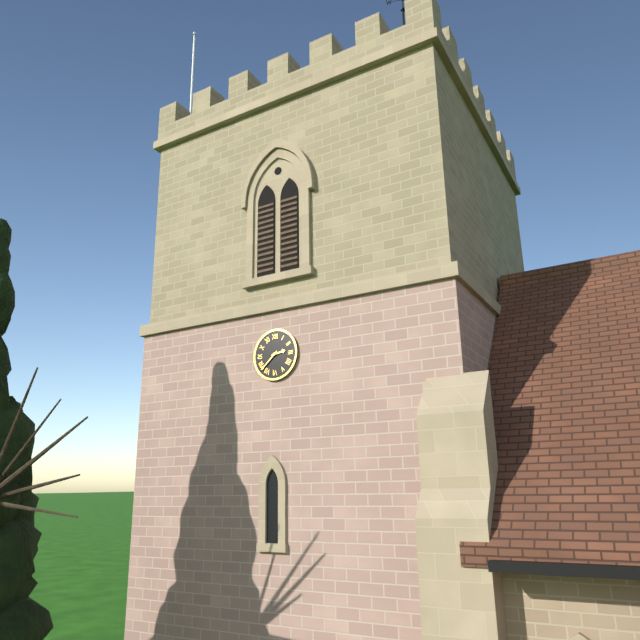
**2:38**
